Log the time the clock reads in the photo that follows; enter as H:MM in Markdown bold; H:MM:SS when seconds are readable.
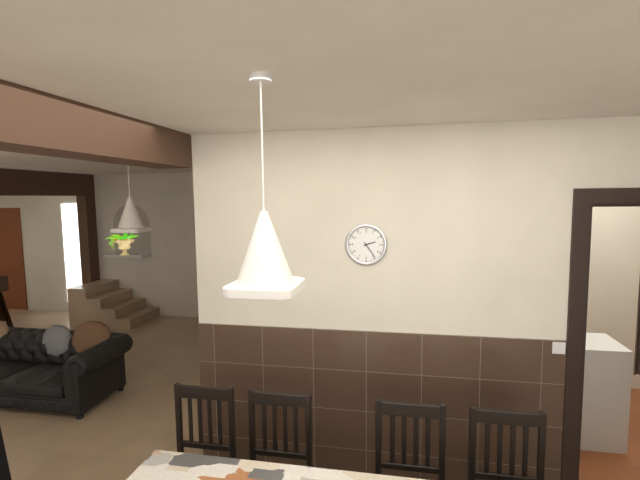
**2:24**
